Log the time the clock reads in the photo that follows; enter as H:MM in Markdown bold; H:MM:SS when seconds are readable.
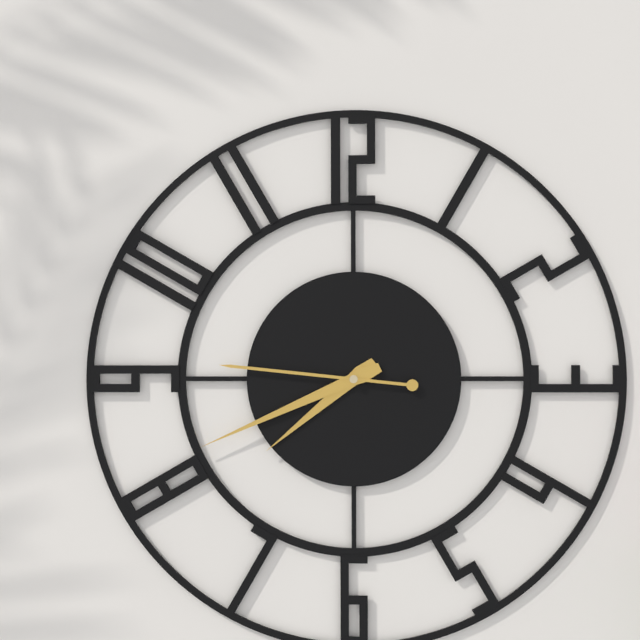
**7:41:46**
